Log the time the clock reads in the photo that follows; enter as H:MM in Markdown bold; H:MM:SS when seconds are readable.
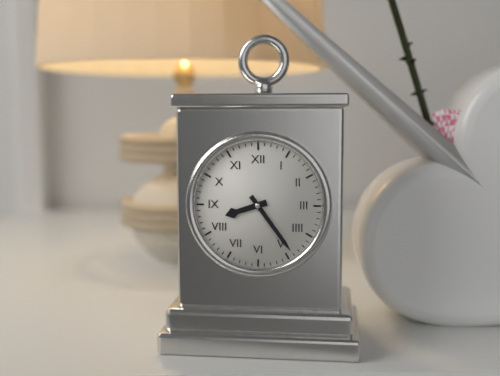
**8:24**
